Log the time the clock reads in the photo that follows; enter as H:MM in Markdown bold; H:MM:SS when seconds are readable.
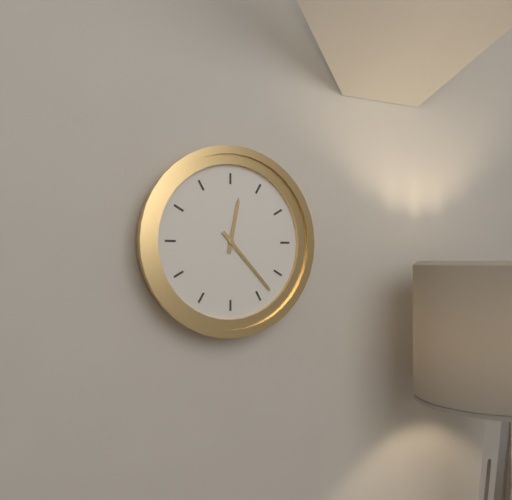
**12:23**
